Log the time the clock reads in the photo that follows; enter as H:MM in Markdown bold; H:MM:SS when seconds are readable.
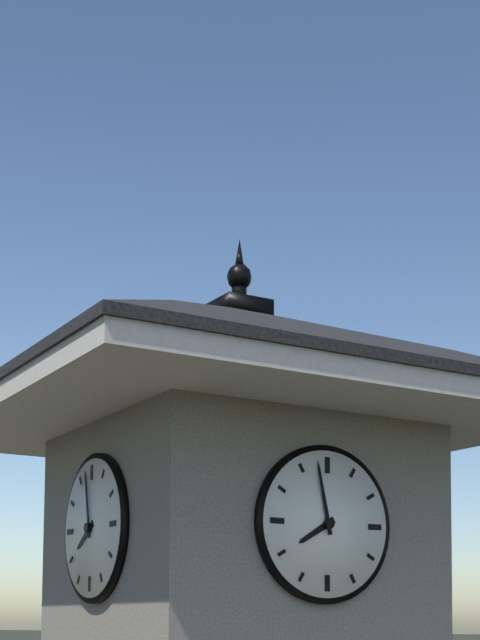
**7:58**
